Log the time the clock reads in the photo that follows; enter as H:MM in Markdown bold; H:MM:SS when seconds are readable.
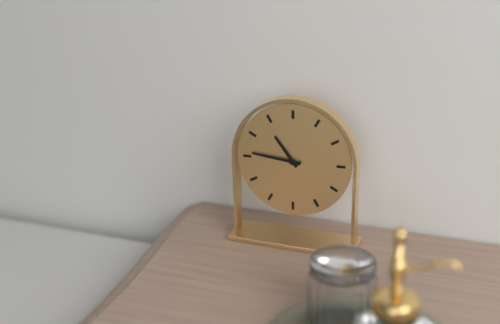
**10:46**
